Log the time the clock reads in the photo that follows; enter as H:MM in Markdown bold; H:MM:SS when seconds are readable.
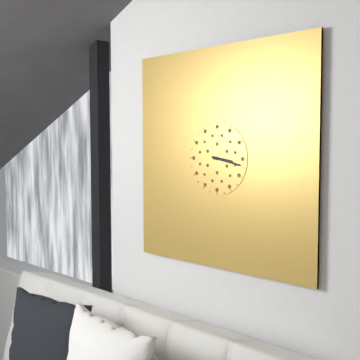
**3:17**
